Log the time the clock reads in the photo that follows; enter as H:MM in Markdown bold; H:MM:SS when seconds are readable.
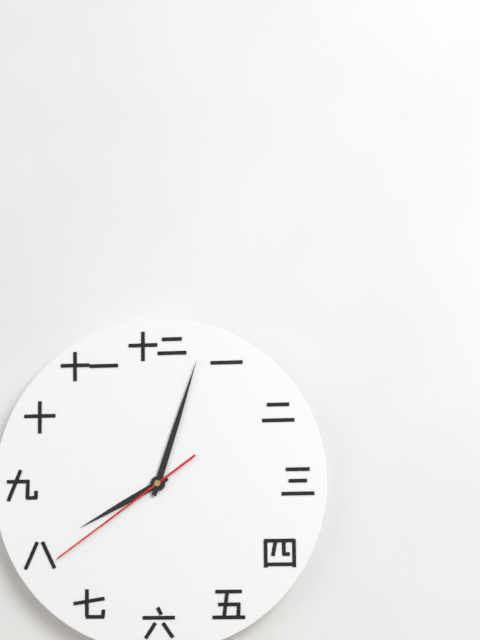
**8:03:39**
